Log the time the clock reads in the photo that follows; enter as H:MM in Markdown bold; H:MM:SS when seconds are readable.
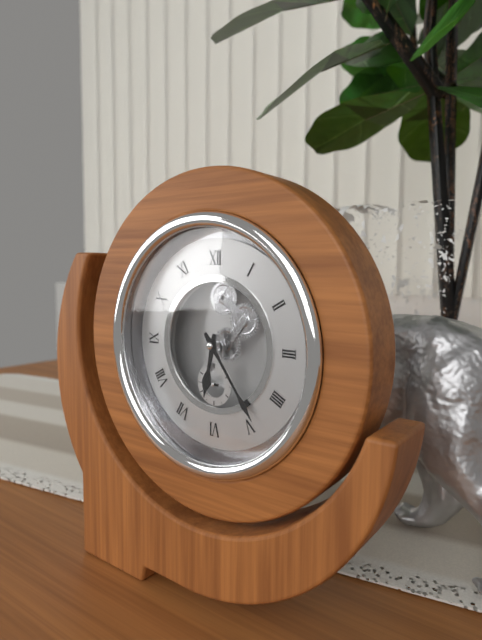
**6:24**
